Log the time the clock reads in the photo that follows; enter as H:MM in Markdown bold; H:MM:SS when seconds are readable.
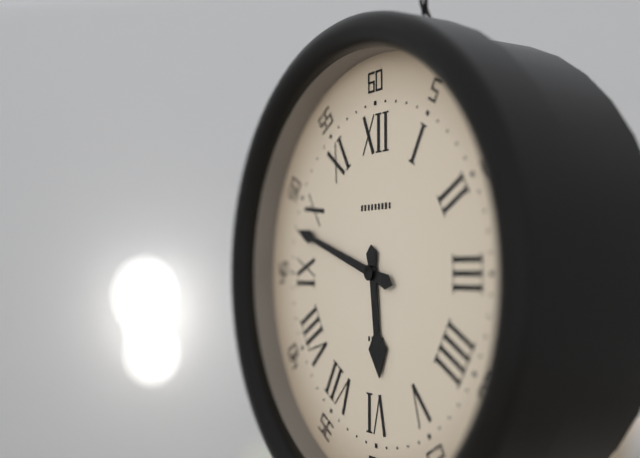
**5:48**
